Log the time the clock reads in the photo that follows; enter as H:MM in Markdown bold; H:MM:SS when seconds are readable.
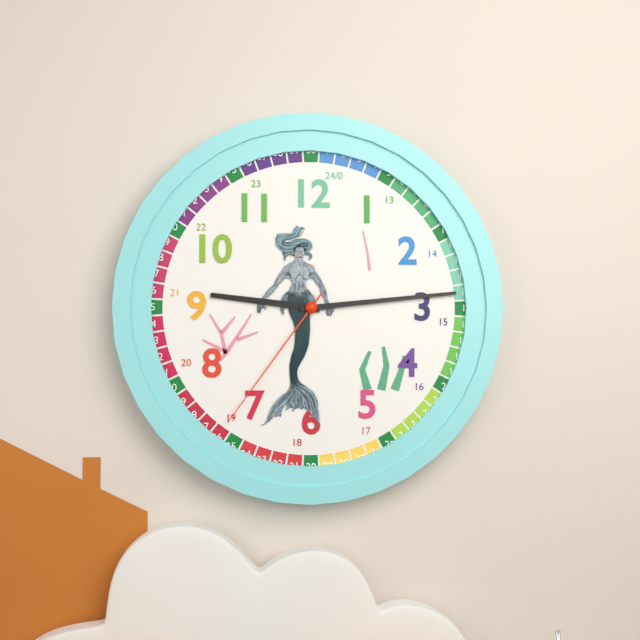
**9:14:36**
